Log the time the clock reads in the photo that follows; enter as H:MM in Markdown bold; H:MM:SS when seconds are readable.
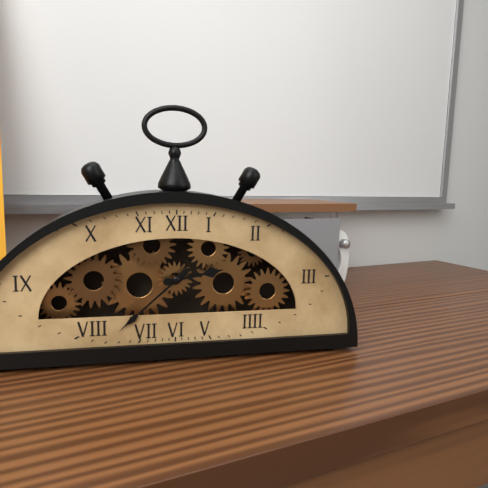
**2:38**
